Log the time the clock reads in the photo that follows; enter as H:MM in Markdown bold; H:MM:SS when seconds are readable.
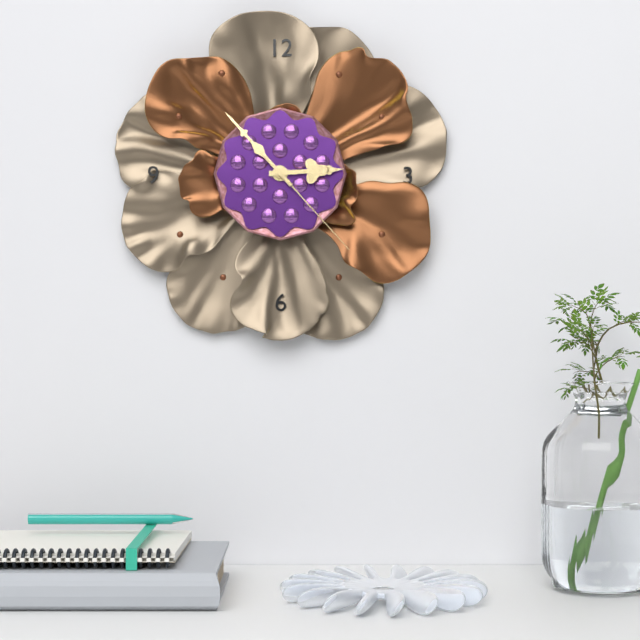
**2:53:23**
